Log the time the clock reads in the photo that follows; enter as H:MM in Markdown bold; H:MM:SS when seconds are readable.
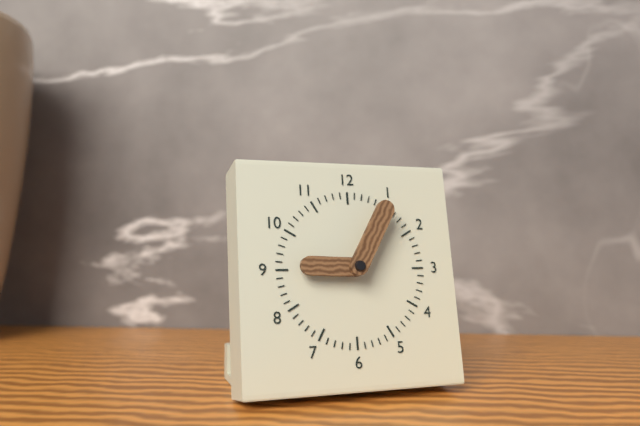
**9:05**
